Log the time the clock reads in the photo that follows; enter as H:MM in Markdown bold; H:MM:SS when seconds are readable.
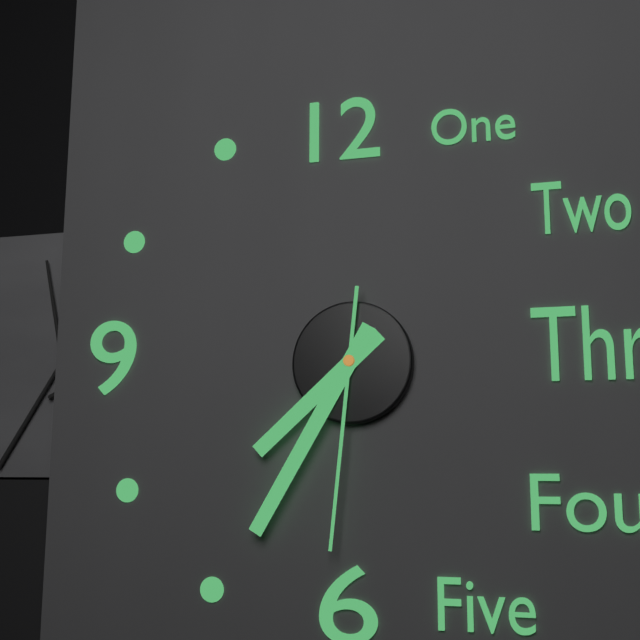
**7:35:31**
